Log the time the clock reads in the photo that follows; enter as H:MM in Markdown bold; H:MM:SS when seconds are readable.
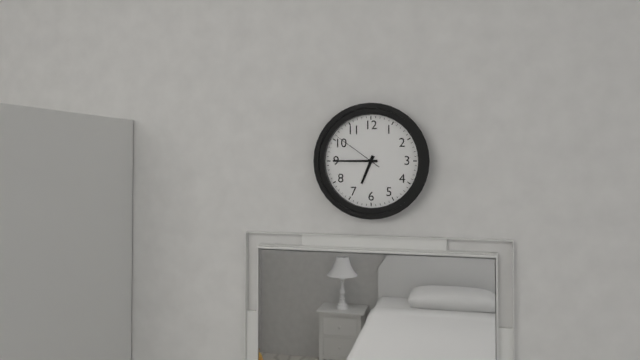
**6:45:51**
